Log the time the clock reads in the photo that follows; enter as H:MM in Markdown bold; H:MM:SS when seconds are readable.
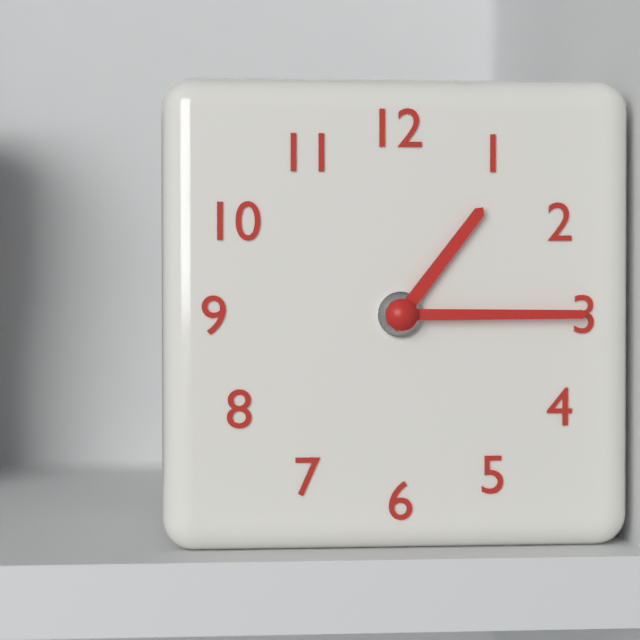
**1:15**
